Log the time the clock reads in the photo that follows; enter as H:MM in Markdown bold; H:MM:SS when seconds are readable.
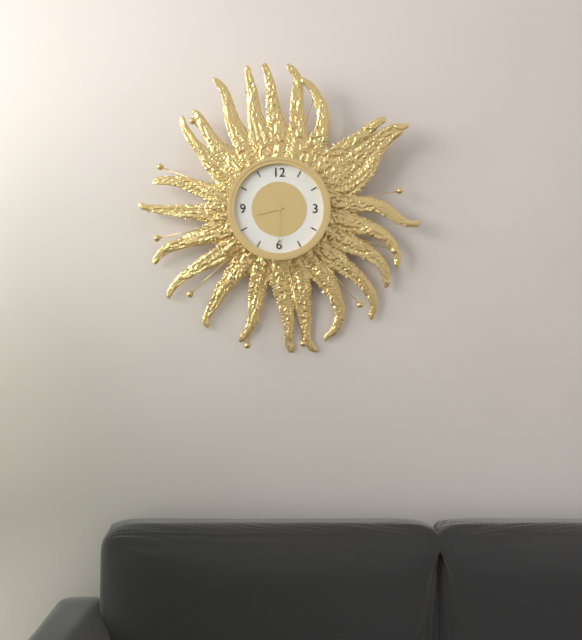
**8:30**
